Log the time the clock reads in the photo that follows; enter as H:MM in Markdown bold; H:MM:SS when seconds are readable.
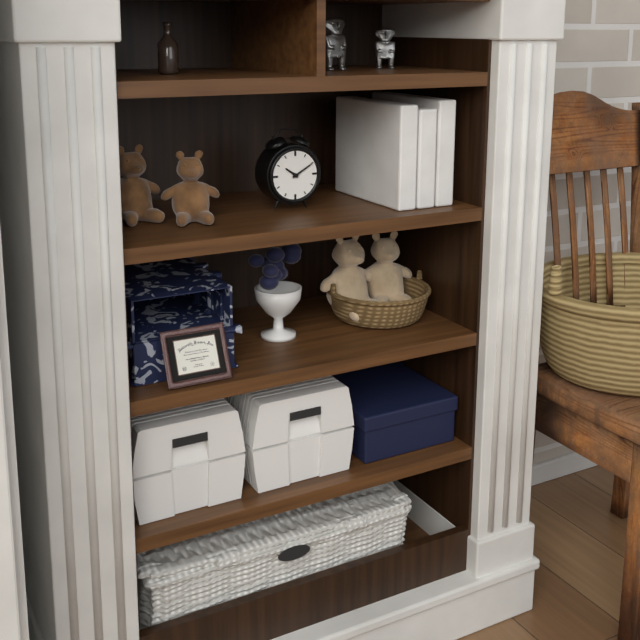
**10:10**
